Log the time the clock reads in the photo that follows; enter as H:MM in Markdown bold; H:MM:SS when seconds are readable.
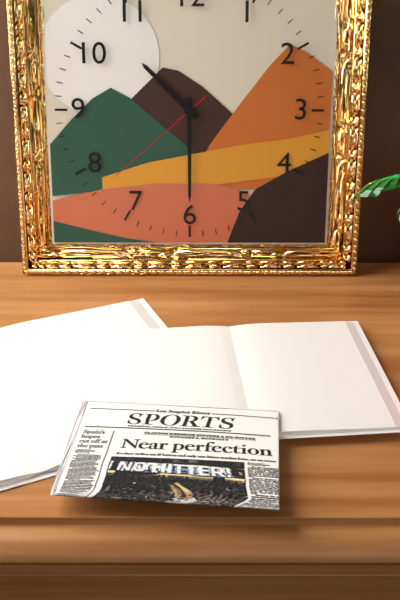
**10:30:38**
